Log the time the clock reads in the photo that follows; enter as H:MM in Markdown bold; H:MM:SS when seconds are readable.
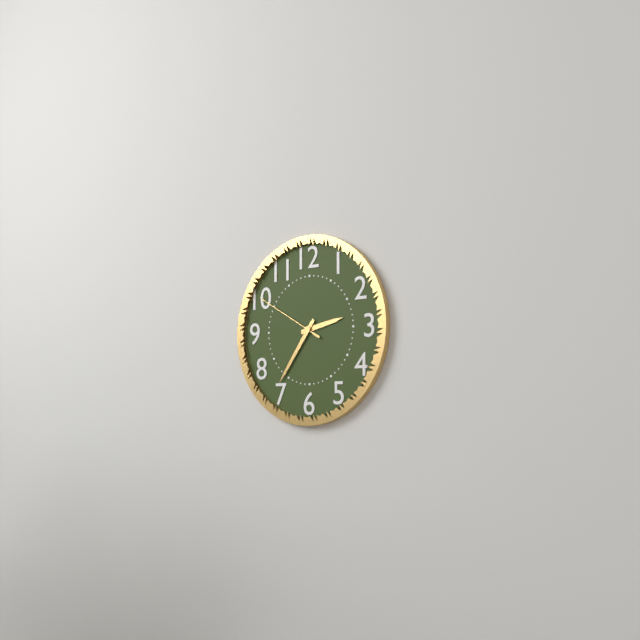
**2:36:50**
